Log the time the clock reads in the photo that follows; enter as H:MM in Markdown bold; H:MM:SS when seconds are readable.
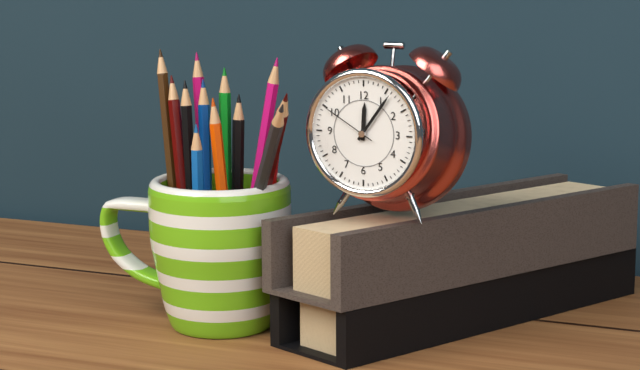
**12:06:50**
